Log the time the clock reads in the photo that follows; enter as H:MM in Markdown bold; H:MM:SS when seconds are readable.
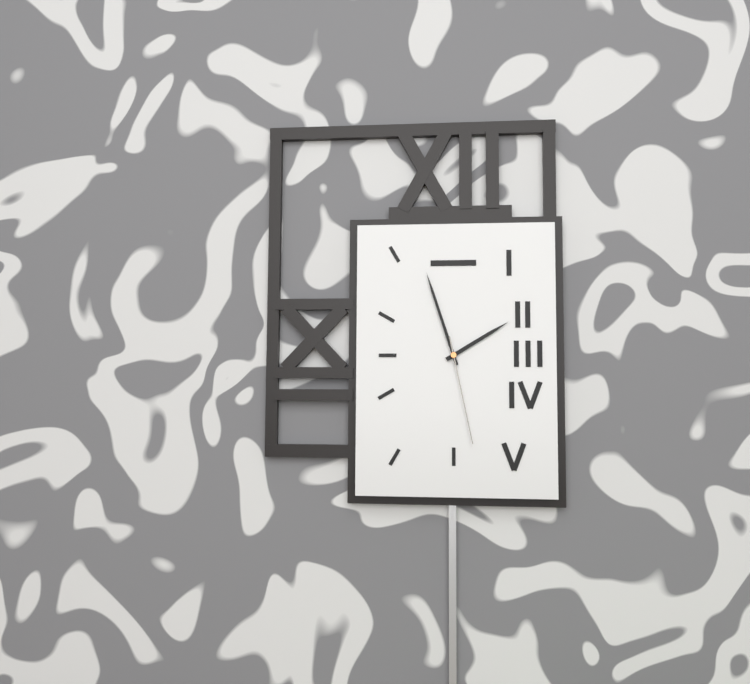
**1:57:28**
